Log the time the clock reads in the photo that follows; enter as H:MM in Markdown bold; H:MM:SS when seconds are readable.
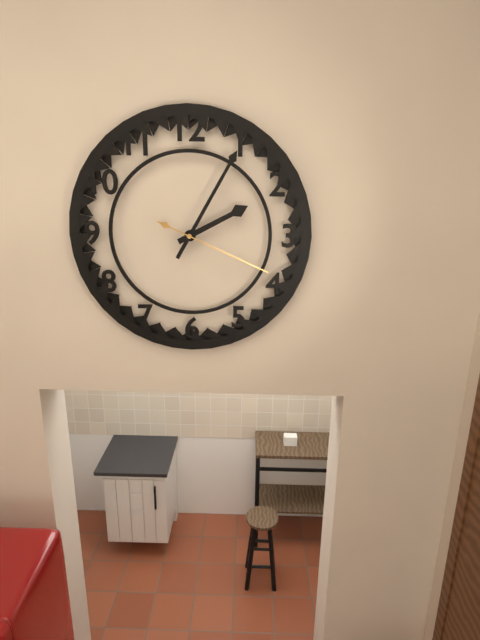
**2:05:19**
